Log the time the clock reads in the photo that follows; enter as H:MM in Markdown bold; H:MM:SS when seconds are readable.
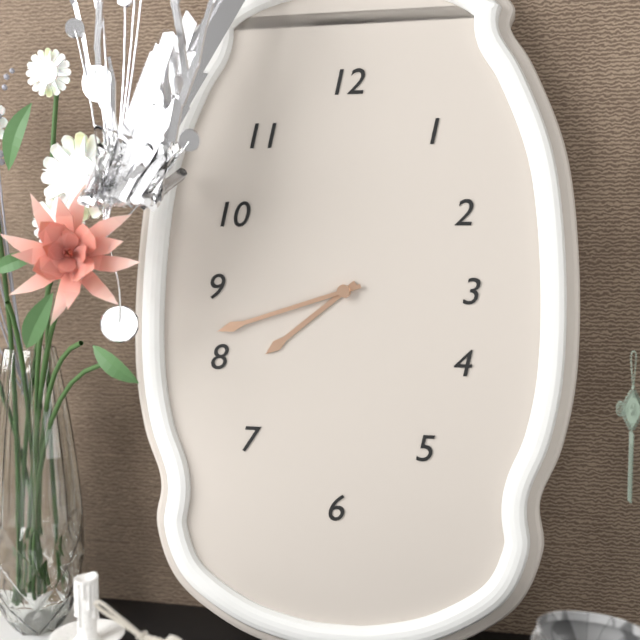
**7:42**
